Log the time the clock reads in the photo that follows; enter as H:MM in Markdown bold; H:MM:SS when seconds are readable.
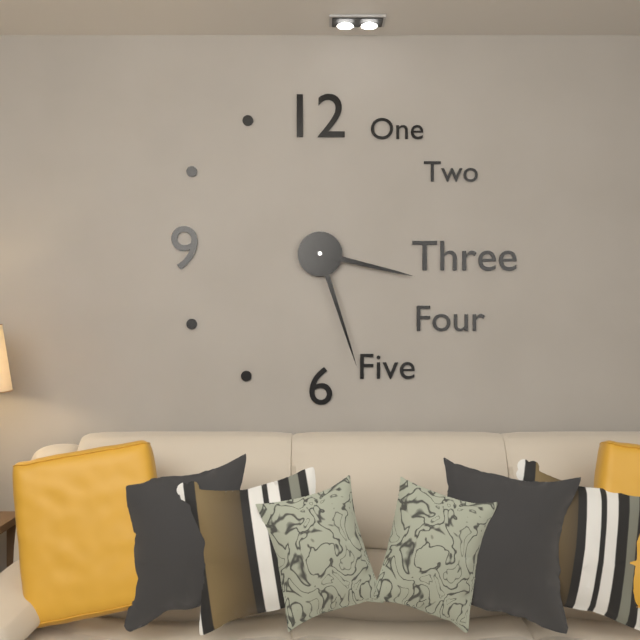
**3:27**
